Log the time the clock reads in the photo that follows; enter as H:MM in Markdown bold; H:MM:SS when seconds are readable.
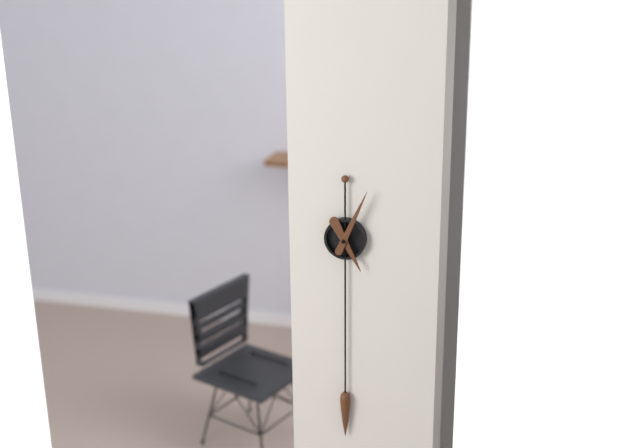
**5:04**
